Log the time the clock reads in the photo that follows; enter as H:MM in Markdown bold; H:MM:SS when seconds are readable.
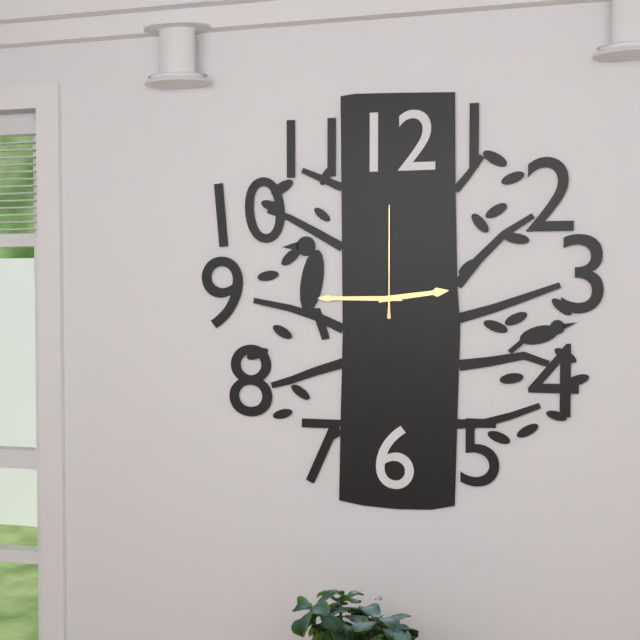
**2:45:00**
